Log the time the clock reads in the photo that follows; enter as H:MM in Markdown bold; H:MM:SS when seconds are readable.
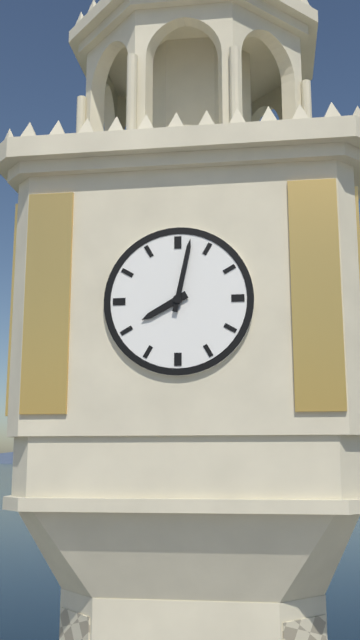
**8:02**
